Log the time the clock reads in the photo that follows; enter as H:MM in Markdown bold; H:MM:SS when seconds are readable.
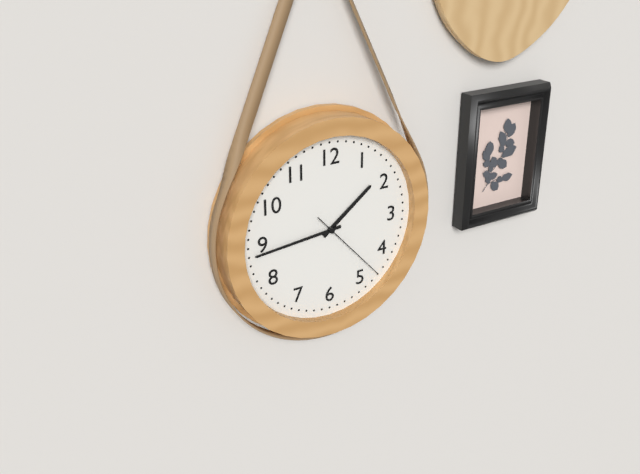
**1:44:23**
